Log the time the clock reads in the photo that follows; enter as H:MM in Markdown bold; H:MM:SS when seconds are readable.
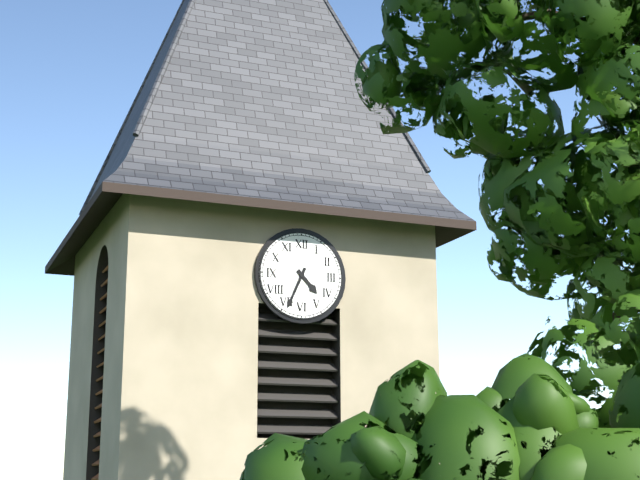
**4:34**
